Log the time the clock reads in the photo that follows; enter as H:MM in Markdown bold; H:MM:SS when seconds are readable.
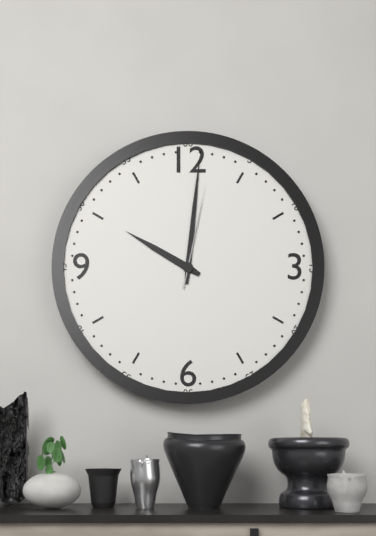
**10:01:02**
